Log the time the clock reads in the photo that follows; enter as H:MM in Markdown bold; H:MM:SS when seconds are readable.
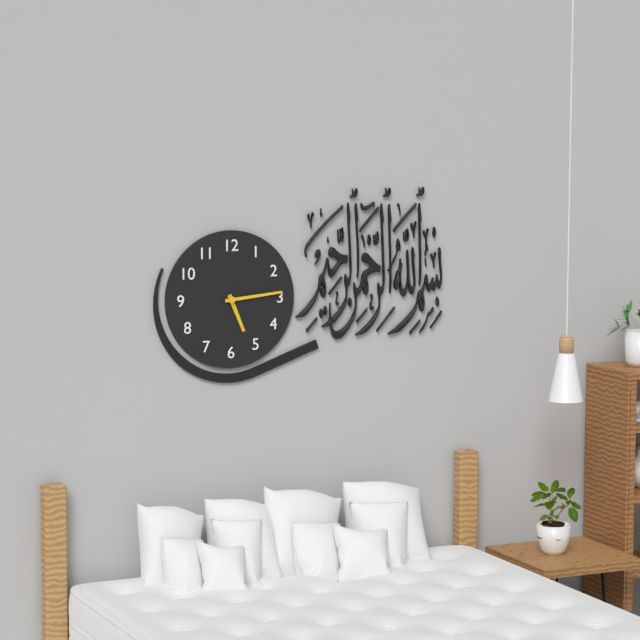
**5:14**
